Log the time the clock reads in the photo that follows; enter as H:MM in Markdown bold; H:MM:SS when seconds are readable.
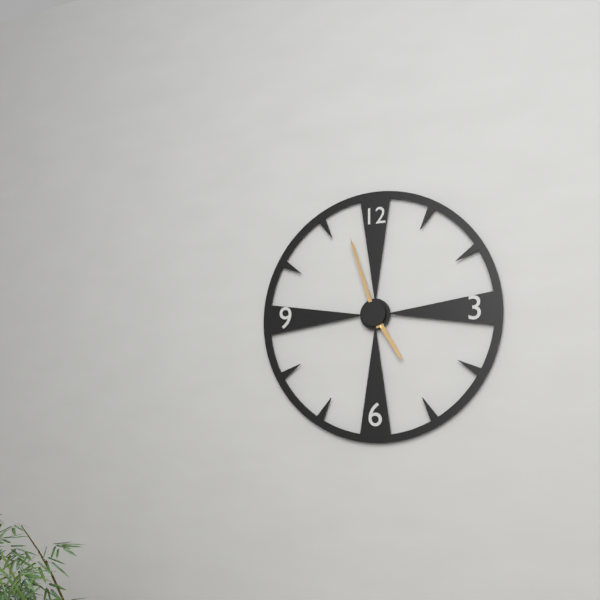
**4:57**
